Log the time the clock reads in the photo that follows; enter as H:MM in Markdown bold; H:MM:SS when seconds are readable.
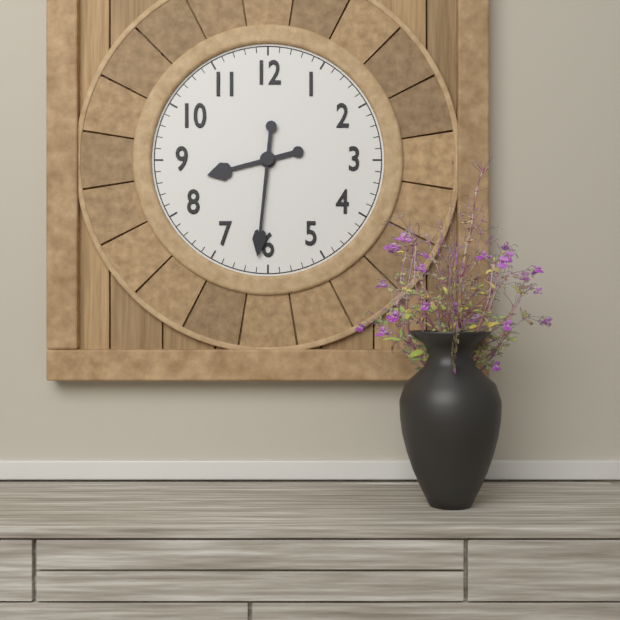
**8:31**
